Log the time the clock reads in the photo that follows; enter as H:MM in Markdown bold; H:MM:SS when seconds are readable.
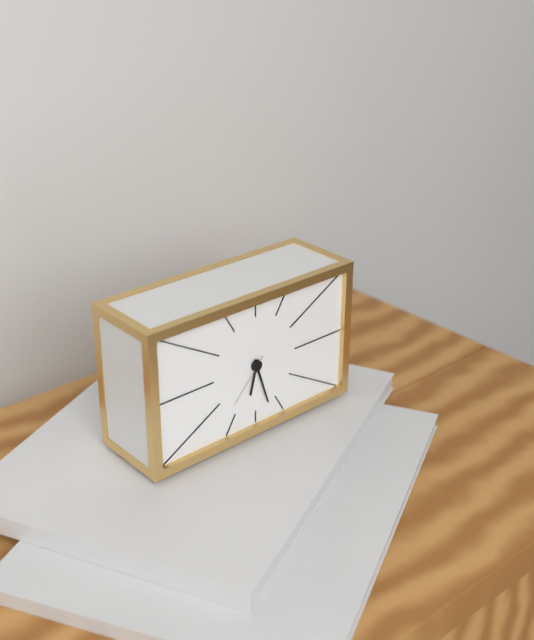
**6:27:37**
